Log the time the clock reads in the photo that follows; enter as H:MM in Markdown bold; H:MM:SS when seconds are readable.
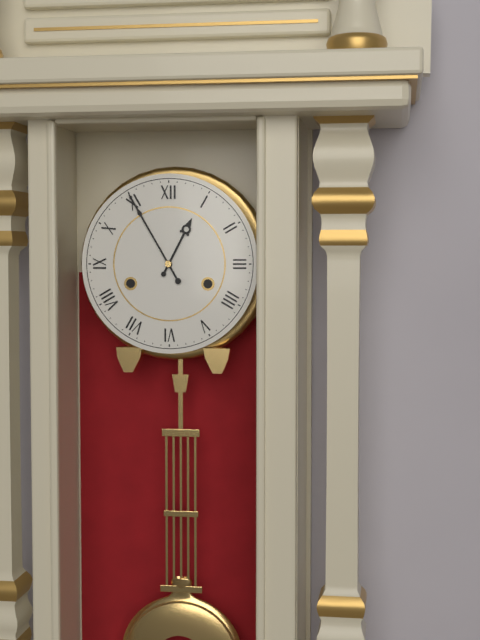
**12:55**
